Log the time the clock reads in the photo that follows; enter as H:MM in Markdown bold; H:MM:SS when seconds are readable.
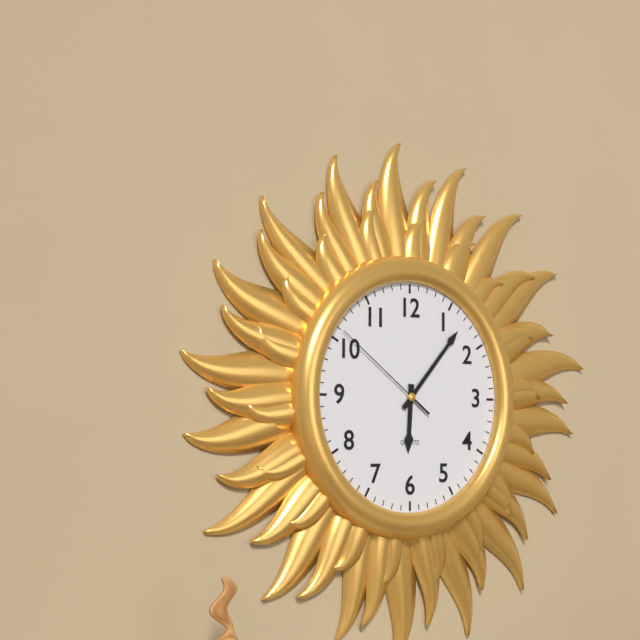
**6:07:51**
